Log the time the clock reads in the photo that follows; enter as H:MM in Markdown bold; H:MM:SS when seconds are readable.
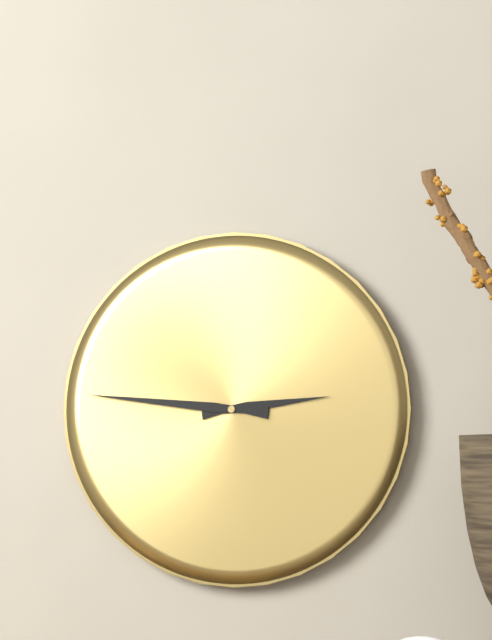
**2:46**
